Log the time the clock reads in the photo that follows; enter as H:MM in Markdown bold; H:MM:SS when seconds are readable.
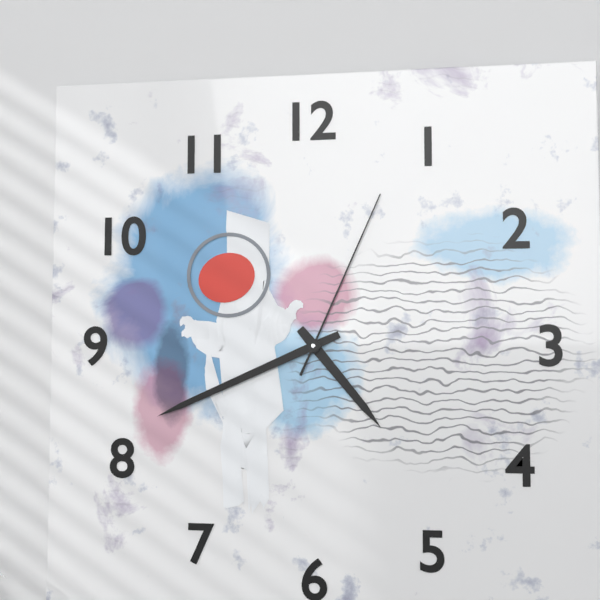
**4:41:04**
